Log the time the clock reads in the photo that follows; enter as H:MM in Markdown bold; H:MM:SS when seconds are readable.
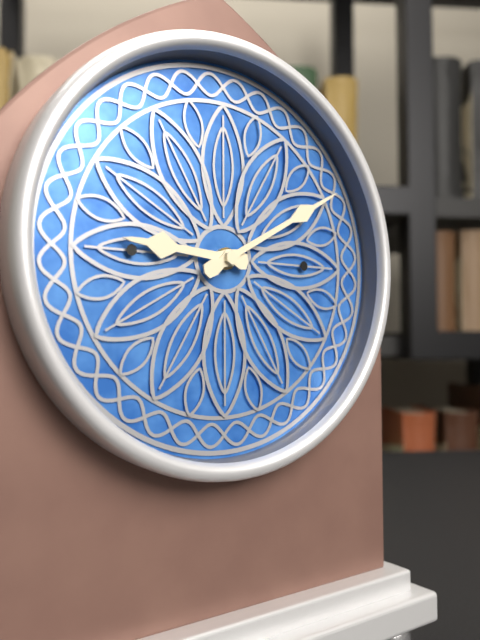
**9:10**
